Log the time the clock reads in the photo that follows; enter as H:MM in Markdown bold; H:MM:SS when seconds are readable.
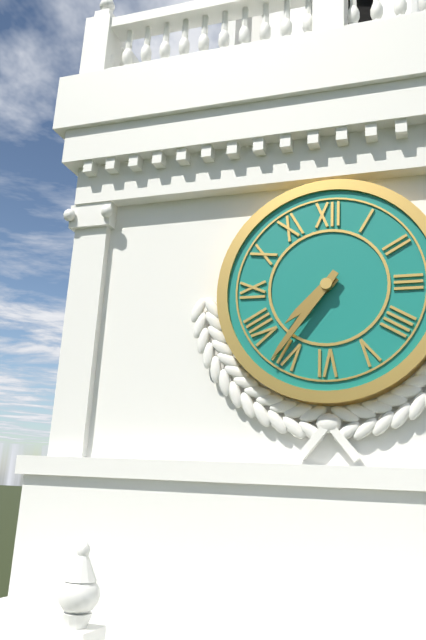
**7:36**
